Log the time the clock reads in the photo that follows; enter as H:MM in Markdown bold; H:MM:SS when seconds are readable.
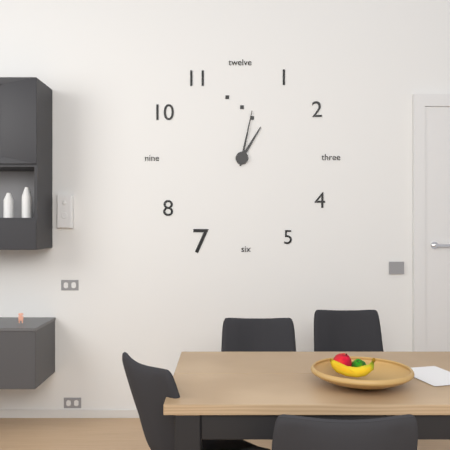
**1:02**
